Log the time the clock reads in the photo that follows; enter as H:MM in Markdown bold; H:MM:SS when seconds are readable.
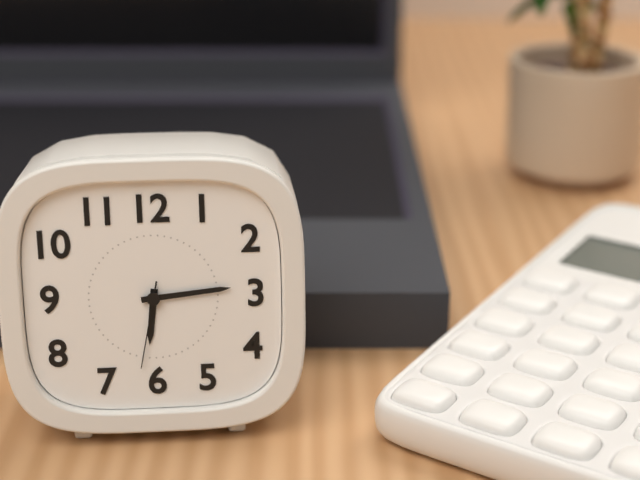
**6:14:32**
